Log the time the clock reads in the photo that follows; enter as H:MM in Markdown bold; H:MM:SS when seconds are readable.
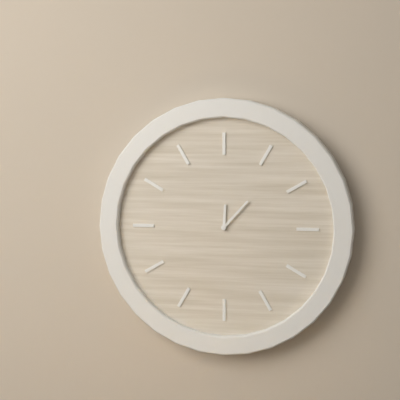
**12:07**
